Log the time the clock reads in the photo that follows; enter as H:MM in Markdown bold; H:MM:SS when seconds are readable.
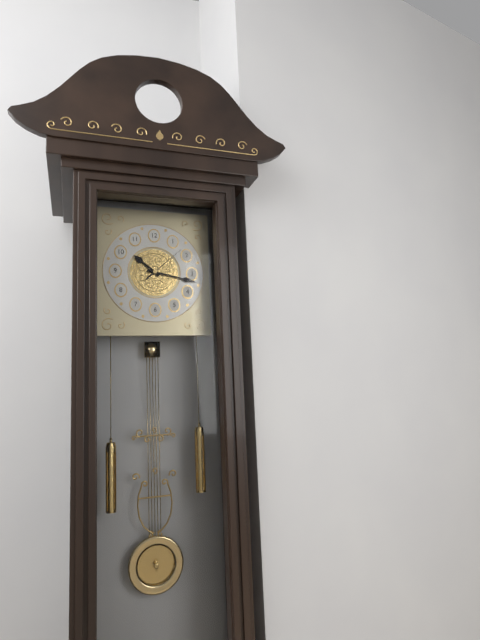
**10:17**
